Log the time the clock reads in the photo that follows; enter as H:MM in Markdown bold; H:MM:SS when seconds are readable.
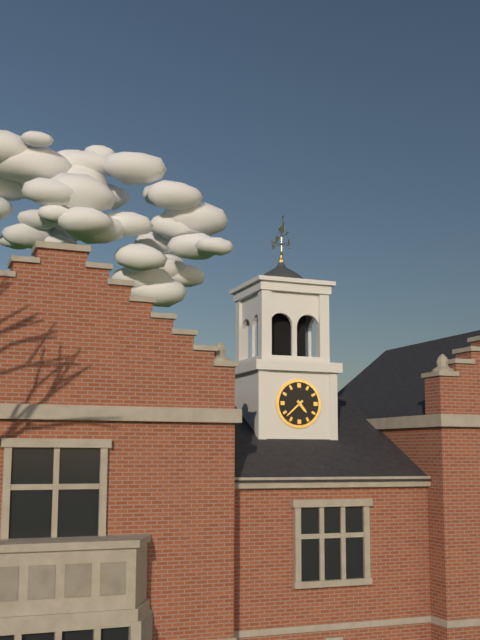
**4:38**
